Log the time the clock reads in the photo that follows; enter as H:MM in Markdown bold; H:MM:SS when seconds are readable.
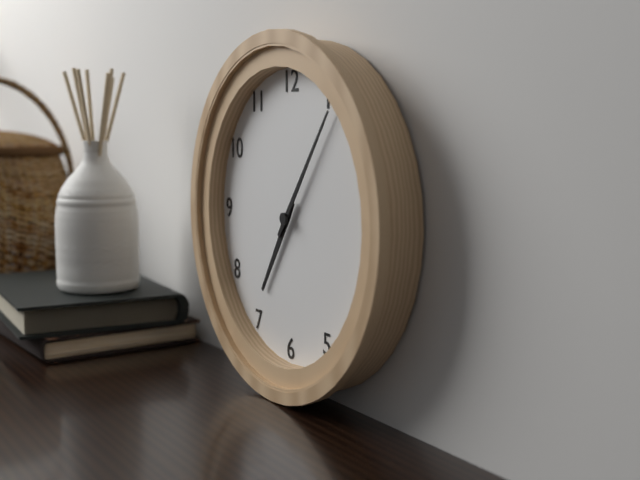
**7:06**
